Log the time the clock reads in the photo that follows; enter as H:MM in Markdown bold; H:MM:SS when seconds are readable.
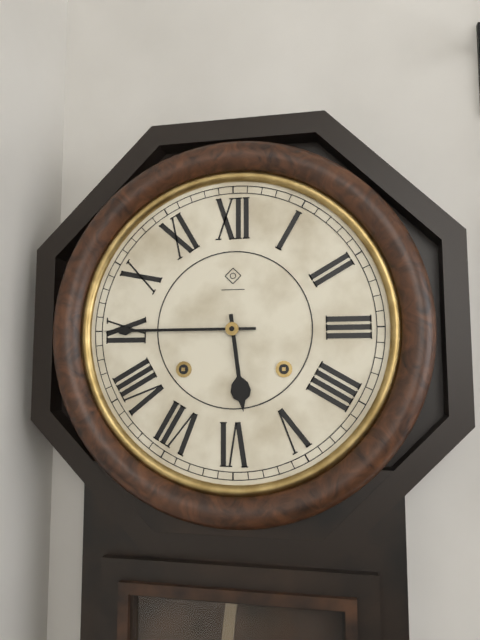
**5:45**
